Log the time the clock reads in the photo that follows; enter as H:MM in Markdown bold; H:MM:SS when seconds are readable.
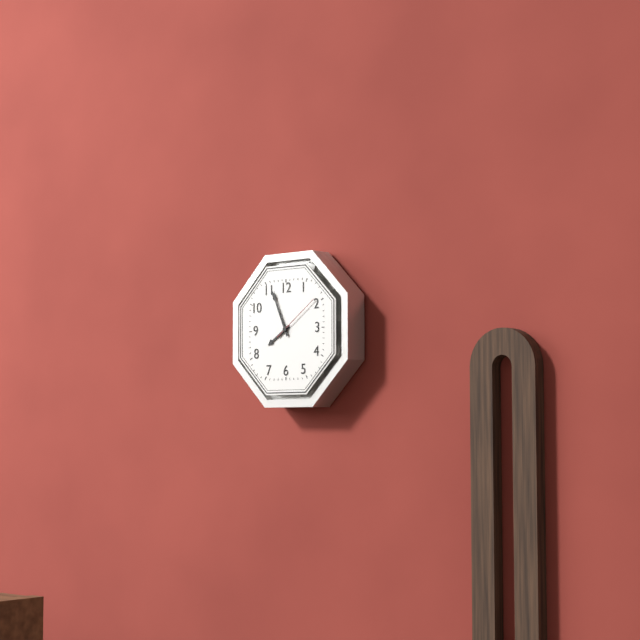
**7:56:09**
